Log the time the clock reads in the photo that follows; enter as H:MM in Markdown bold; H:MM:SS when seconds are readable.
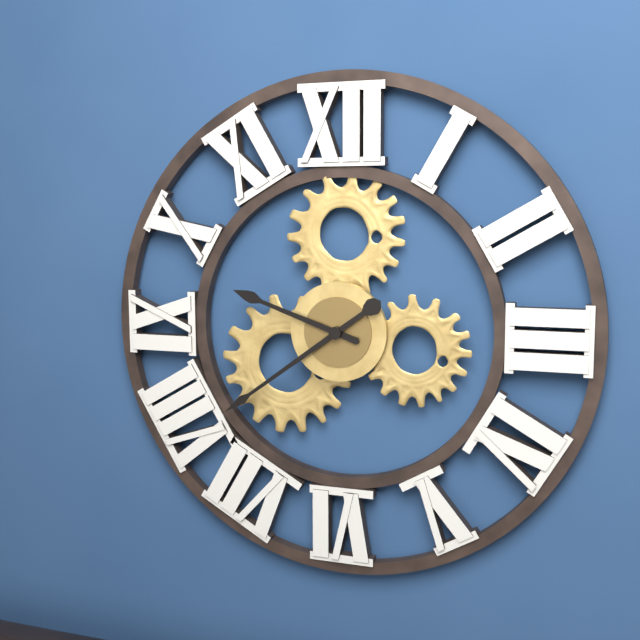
**9:39**
